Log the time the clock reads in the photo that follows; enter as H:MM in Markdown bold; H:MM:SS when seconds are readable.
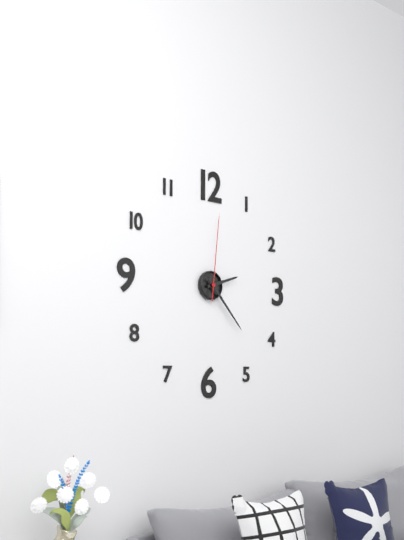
**2:23:01**
